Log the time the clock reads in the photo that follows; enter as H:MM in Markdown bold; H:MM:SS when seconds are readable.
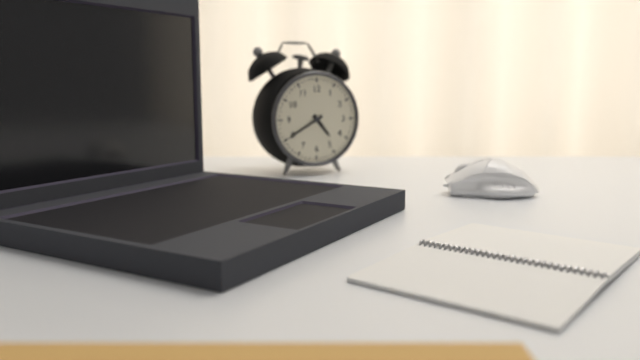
**4:40**
